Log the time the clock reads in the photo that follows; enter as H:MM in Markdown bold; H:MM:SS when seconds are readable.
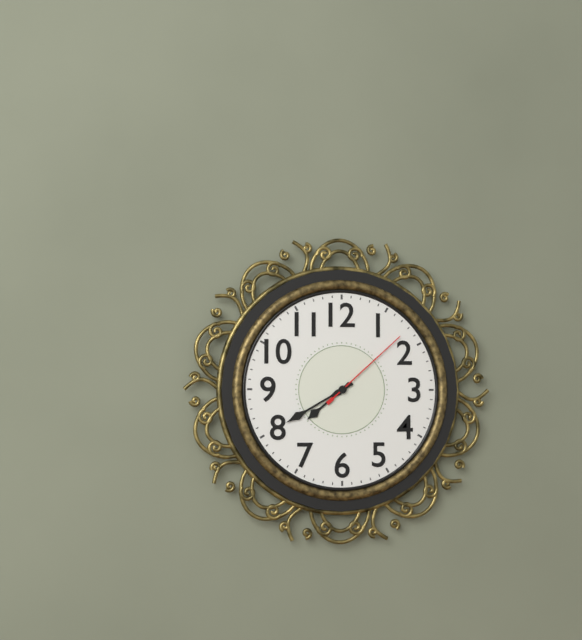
**7:40:08**
